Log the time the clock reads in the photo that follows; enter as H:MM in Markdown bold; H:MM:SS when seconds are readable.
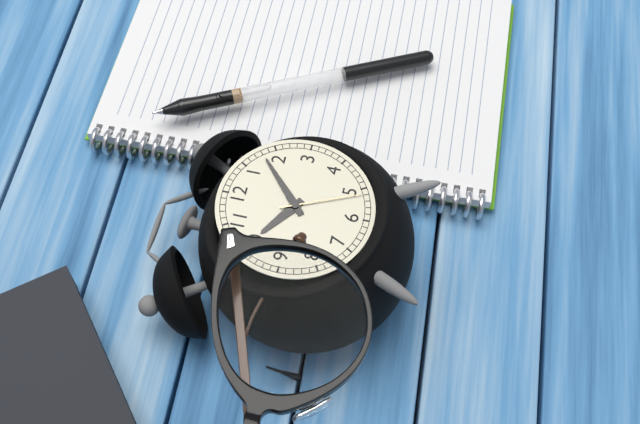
**10:08:26**
